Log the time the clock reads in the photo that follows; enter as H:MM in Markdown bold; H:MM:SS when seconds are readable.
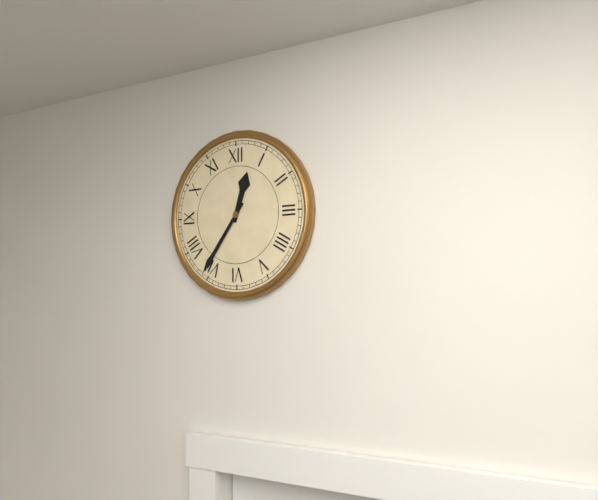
**12:36**
